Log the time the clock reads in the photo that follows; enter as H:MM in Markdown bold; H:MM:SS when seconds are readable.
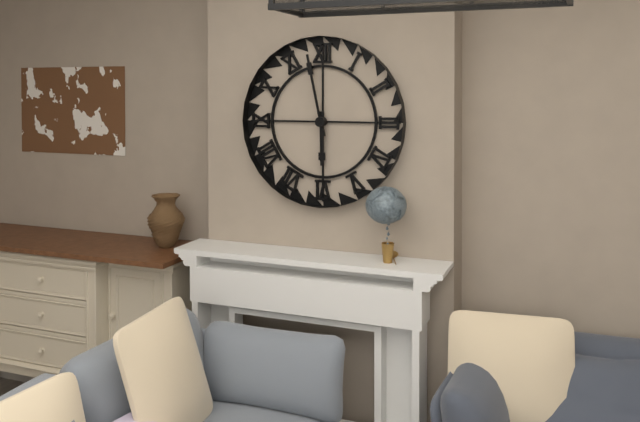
**5:58**
